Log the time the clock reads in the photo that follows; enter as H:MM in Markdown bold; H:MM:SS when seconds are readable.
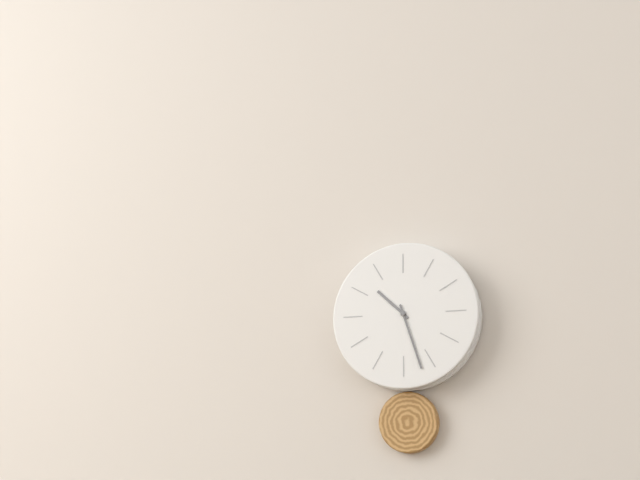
**10:27**
